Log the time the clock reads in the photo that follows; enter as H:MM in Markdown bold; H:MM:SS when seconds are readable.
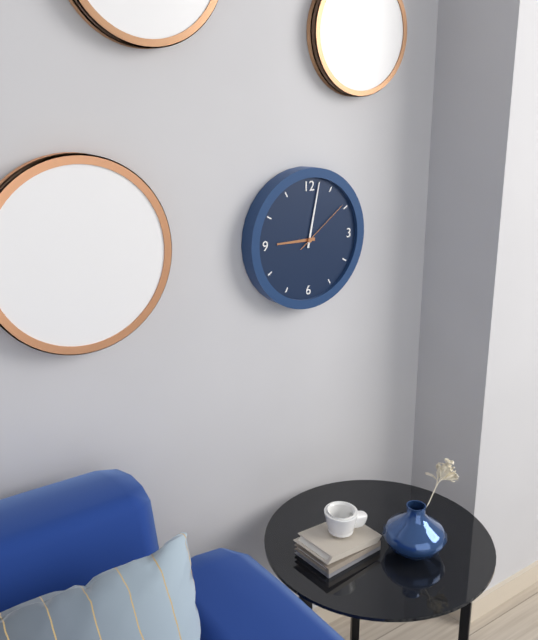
**9:02:09**
